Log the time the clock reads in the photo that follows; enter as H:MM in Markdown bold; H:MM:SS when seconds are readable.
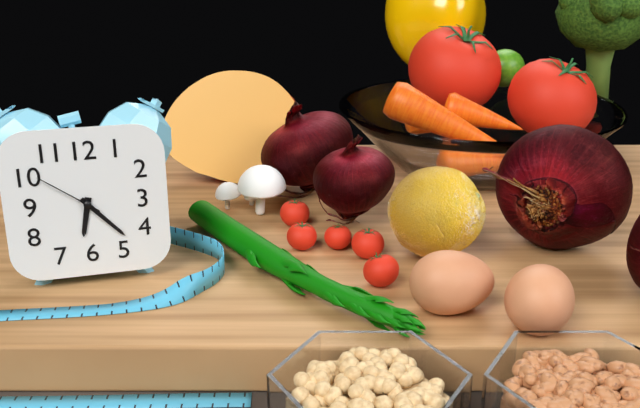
**6:23:51**
